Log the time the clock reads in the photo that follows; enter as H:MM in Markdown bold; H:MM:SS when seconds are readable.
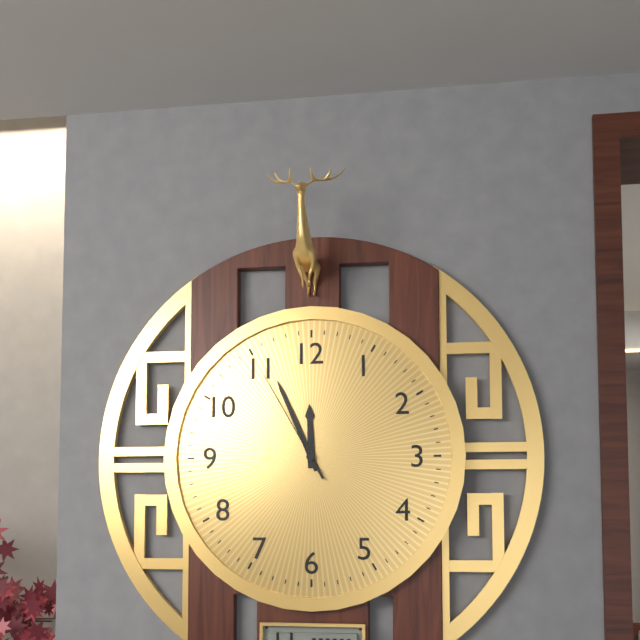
**11:56:55**
